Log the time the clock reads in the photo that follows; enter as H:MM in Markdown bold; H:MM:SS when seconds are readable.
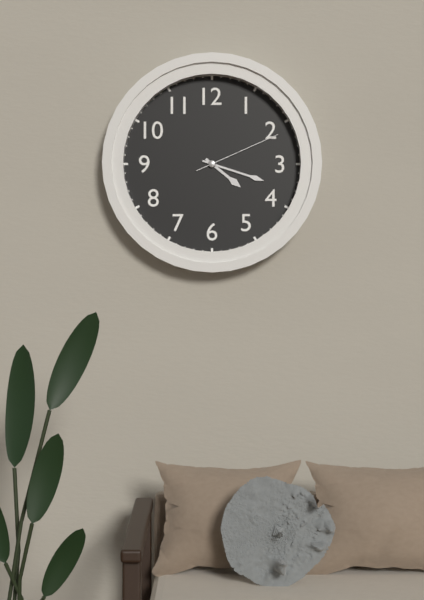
**4:18:11**
